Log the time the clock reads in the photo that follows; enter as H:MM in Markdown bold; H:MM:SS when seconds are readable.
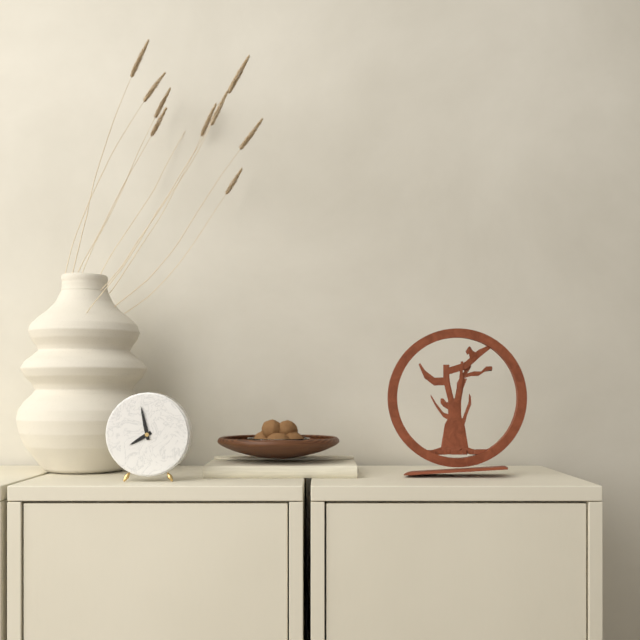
**7:58**
